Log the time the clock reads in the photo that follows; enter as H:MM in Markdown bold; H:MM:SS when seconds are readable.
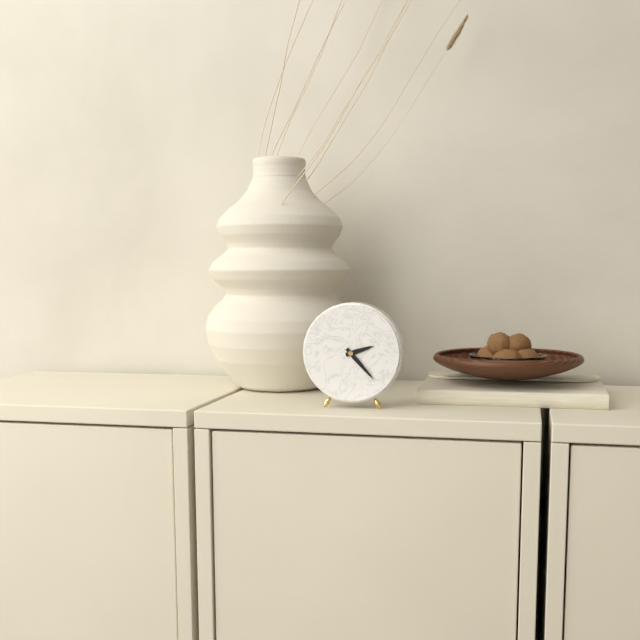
**2:23**
